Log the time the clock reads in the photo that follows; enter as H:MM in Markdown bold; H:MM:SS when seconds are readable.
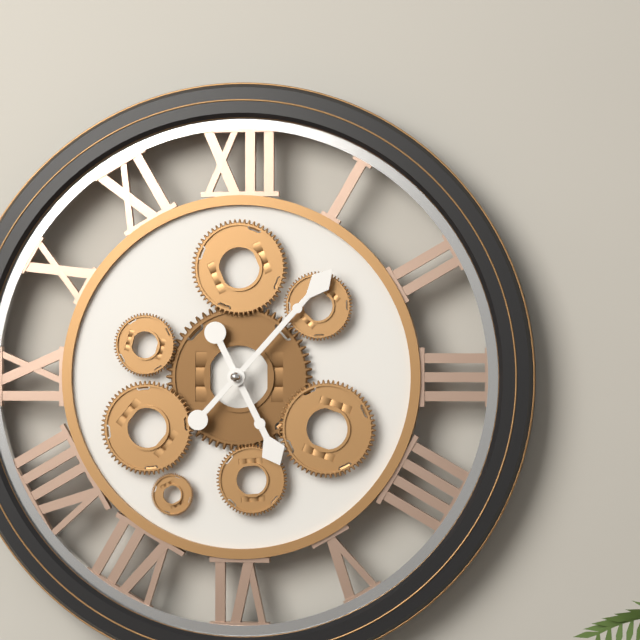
**5:07**
